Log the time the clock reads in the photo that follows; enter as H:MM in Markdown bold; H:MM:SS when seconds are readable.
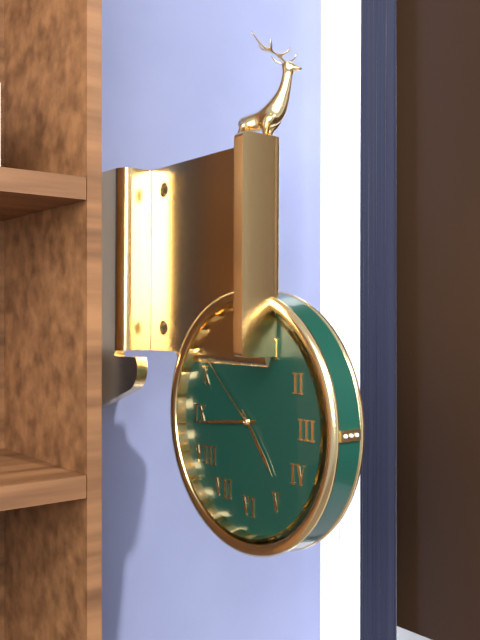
**4:44:52**
